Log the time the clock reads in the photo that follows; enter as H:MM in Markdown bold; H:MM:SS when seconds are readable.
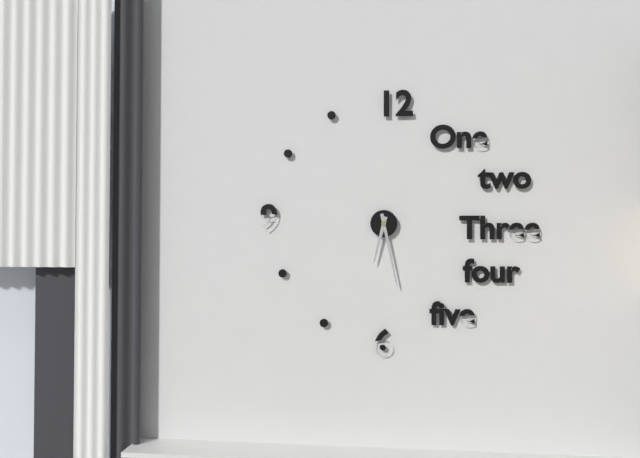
**6:28**
